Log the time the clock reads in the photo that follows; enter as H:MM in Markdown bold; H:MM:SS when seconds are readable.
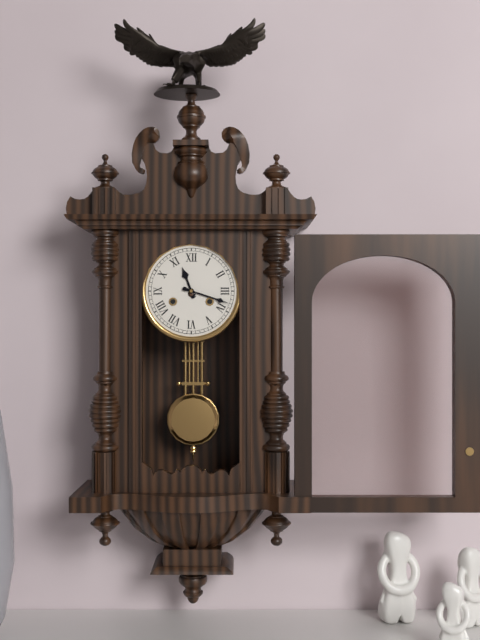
**11:18**
